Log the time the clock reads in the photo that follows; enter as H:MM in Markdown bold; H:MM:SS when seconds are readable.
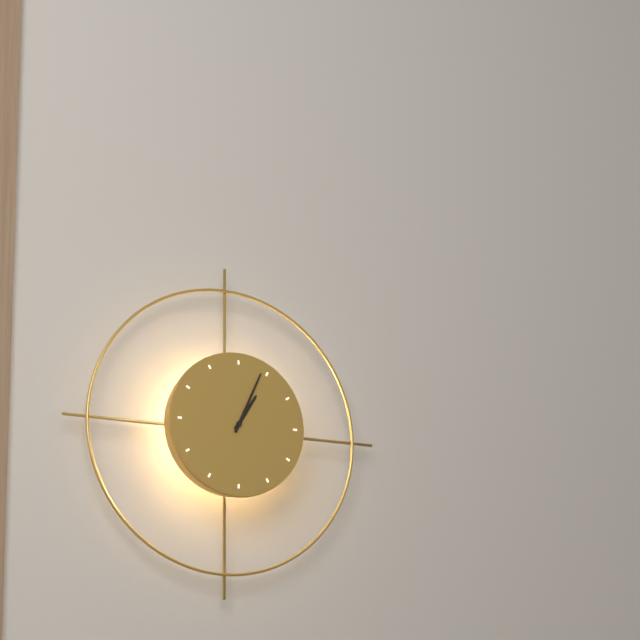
**1:04**
